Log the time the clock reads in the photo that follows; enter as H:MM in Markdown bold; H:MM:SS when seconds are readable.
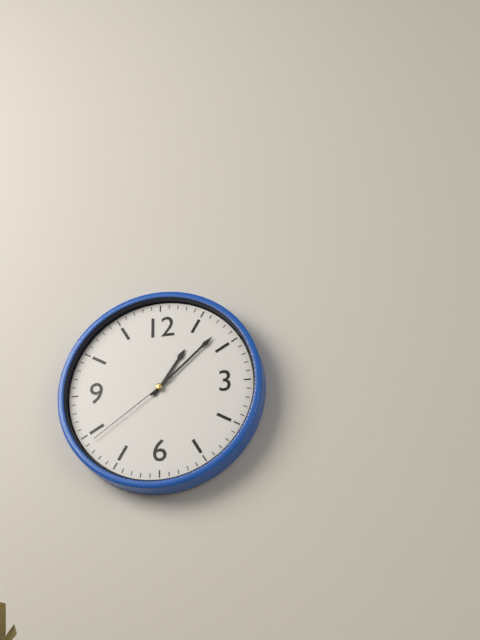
**1:08:39**
